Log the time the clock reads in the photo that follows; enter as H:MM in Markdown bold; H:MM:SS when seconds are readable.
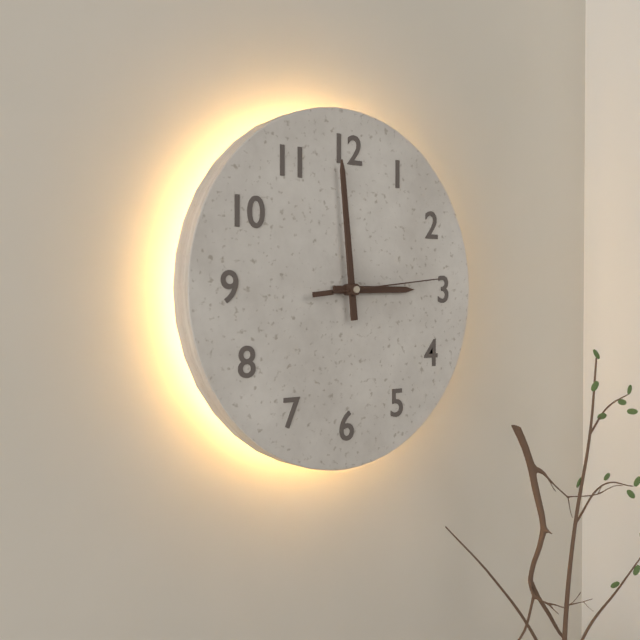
**2:59:14**
